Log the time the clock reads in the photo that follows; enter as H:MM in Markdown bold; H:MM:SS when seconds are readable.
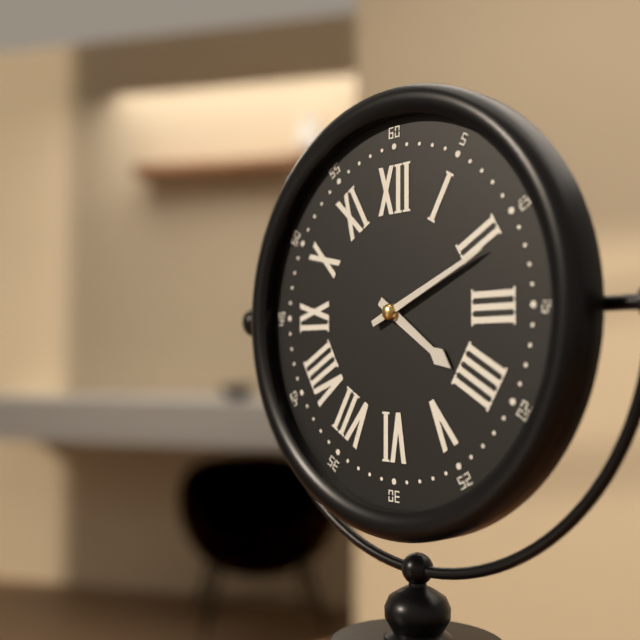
**4:11**
